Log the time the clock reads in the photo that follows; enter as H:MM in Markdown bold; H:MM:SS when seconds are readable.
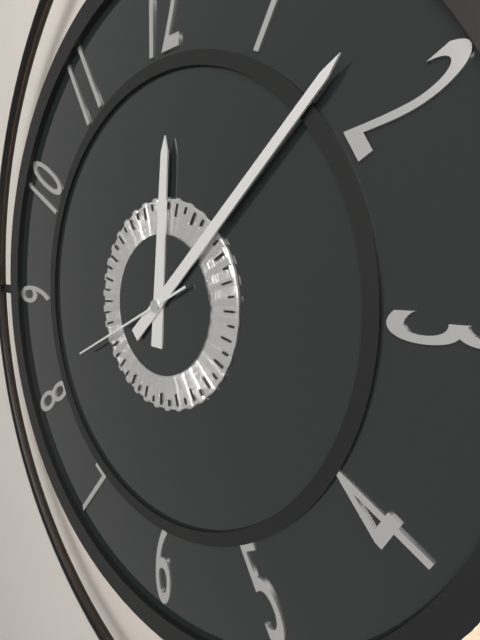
**12:08:41**
